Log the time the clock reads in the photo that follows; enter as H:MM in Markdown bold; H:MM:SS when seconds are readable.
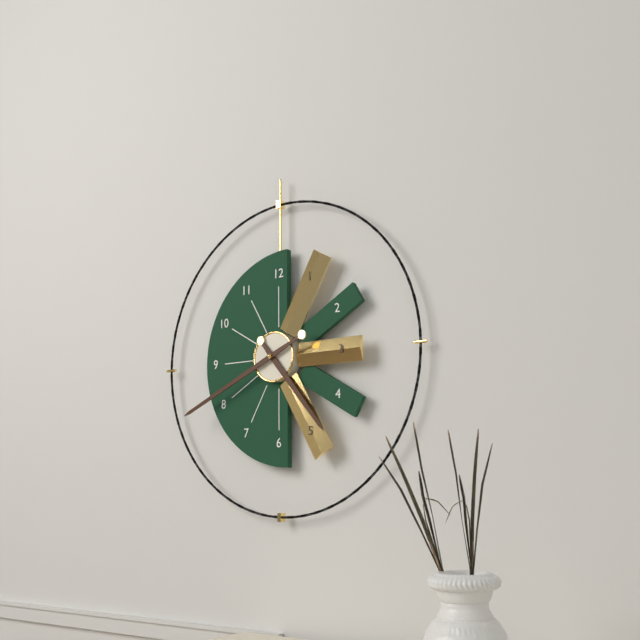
**4:41**
